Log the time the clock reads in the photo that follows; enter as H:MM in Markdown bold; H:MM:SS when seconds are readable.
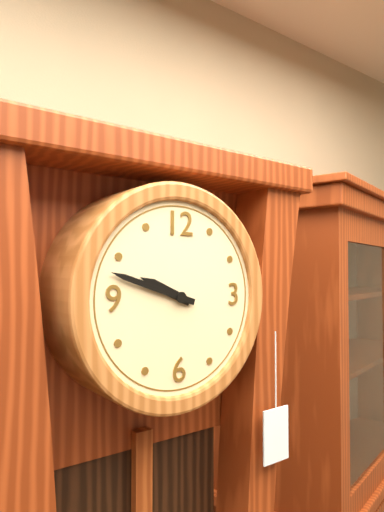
**9:48**
